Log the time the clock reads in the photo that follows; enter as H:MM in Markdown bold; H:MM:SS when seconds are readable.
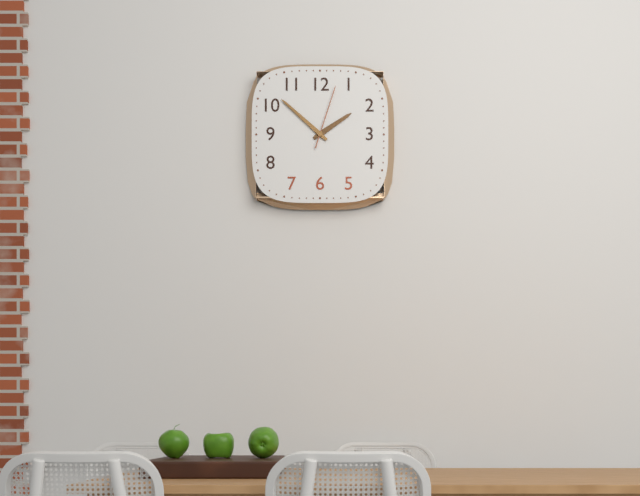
**1:52:03**
